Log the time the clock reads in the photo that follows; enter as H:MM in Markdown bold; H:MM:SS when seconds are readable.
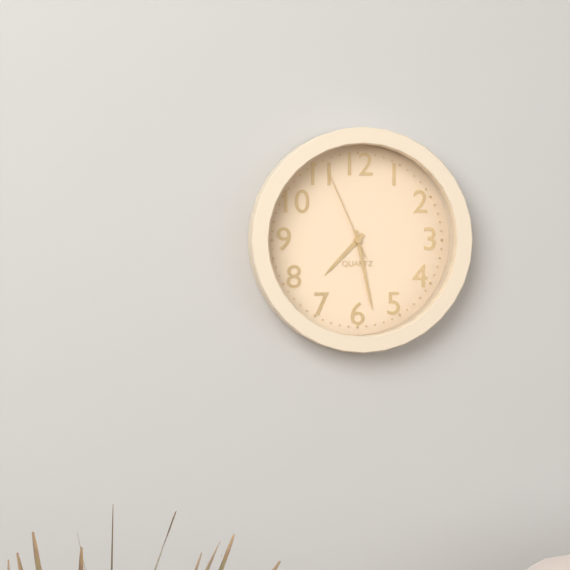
**7:28:56**
